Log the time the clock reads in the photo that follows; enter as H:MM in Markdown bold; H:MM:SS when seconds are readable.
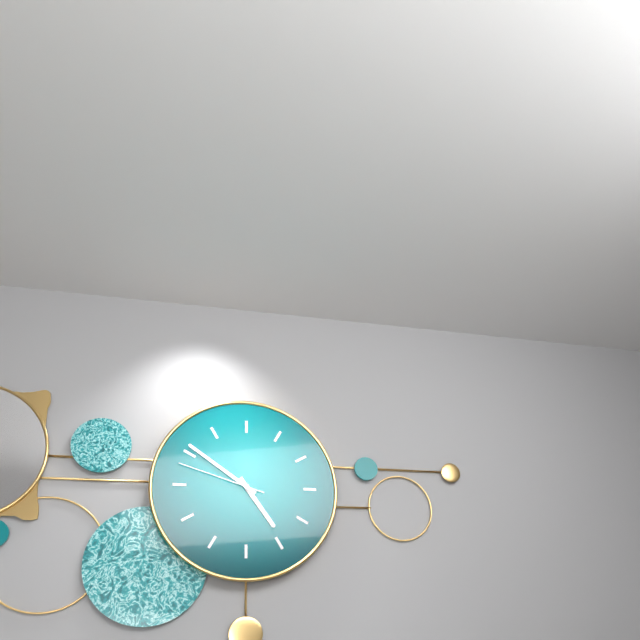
**4:51:48**
